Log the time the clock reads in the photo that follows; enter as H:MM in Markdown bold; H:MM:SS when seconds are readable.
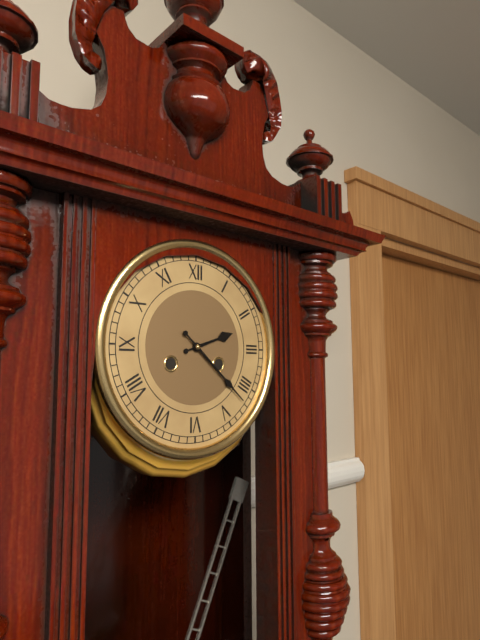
**2:22**
